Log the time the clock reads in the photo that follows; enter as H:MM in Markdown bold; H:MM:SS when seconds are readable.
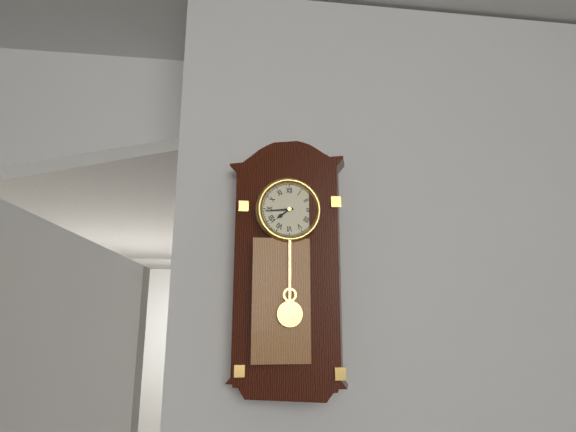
**7:44**
